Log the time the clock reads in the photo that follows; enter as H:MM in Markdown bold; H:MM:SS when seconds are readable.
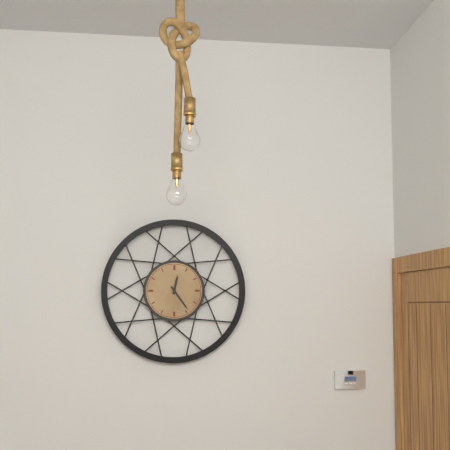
**12:24**
